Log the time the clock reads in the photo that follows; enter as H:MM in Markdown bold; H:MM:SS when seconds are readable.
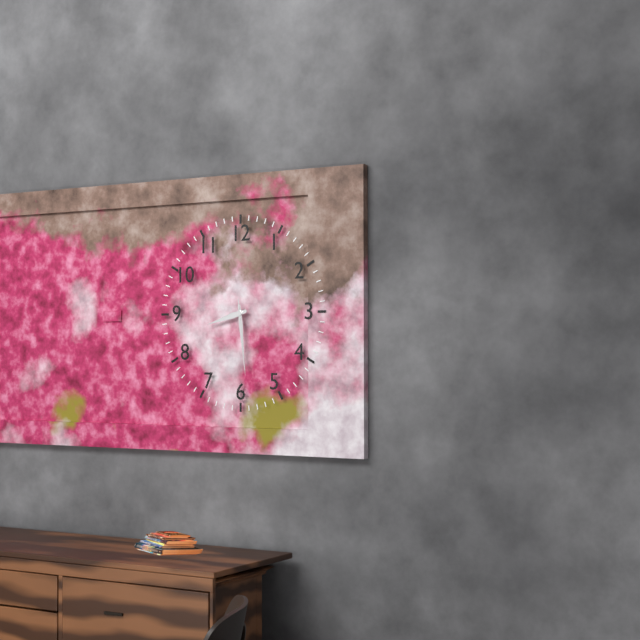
**8:29:29**
